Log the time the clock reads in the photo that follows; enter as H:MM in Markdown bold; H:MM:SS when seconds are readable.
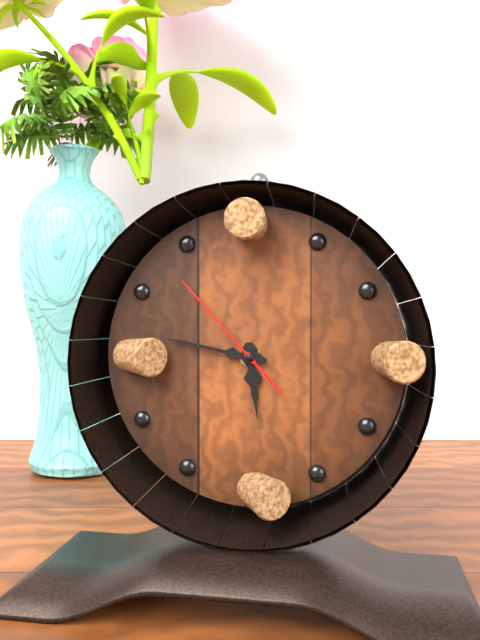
**5:47:53**
